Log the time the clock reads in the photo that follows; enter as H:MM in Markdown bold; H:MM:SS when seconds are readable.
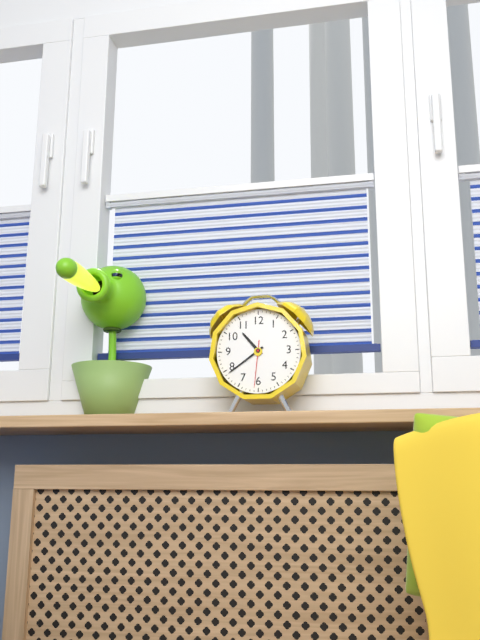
**10:39**
